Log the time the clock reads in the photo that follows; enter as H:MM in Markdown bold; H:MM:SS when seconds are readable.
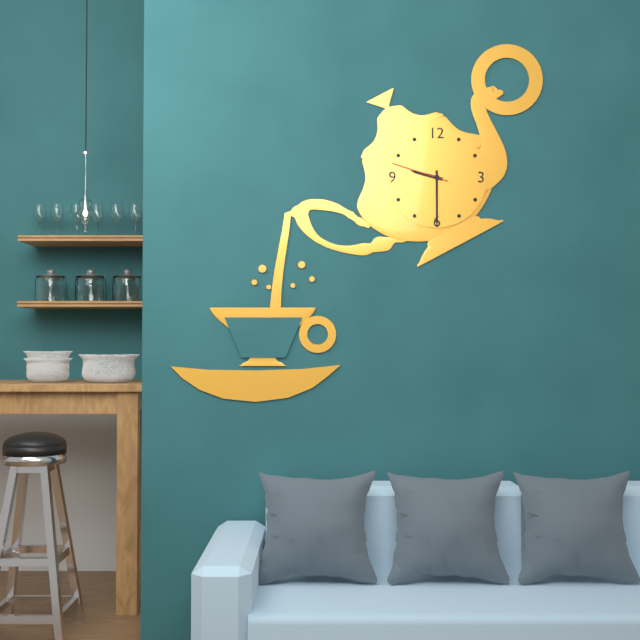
**9:30:48**
